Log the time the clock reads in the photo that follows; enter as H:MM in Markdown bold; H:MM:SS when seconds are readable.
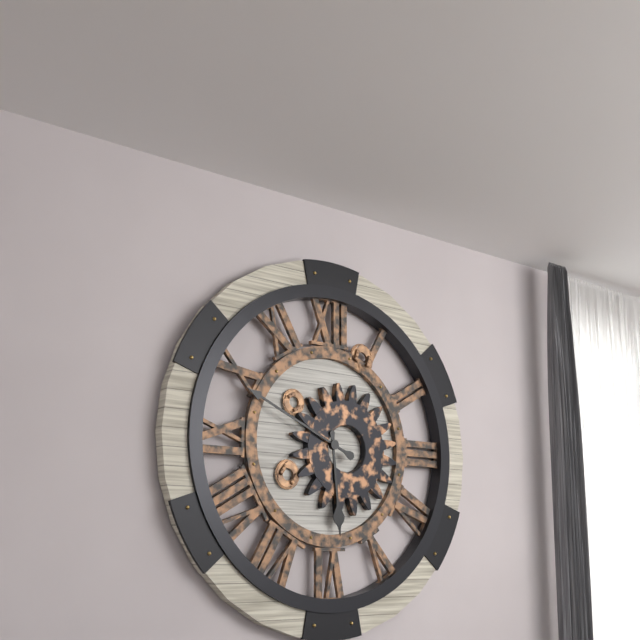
**5:49**
